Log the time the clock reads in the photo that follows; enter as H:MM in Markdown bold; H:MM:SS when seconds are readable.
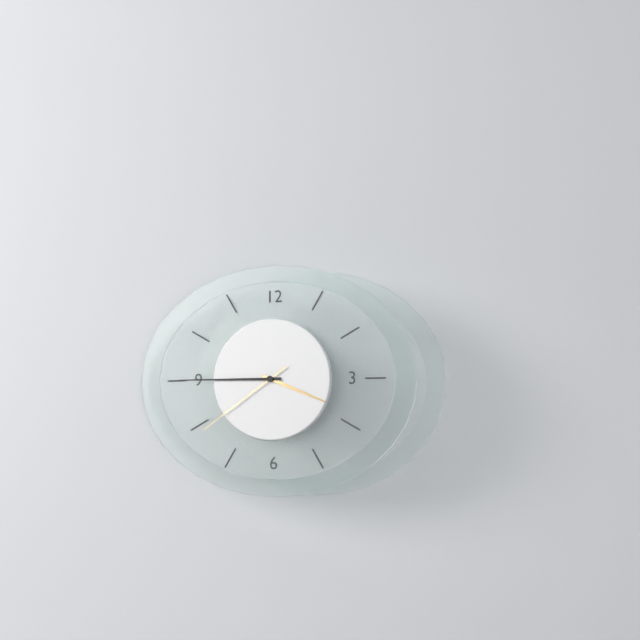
**3:45:39**
